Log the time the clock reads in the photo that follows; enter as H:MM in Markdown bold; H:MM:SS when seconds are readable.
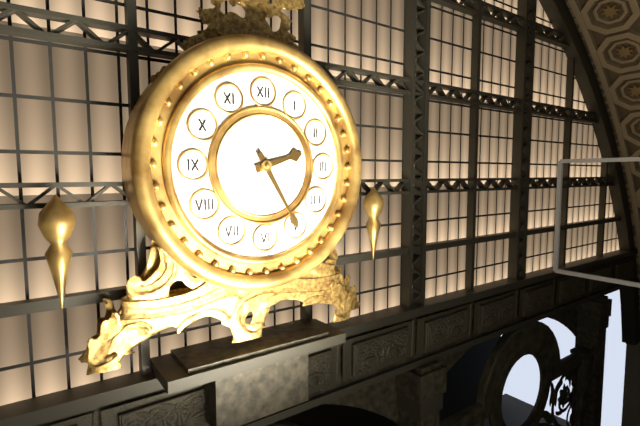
**2:25**
